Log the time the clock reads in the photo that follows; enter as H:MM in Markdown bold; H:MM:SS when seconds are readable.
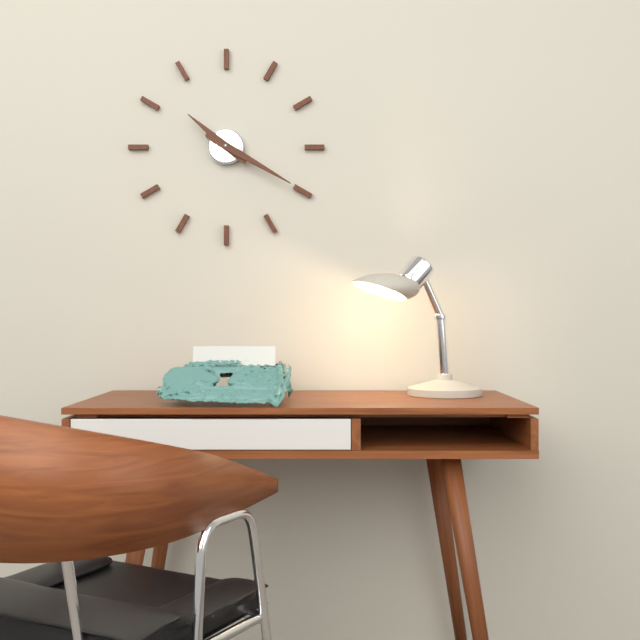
**10:20**
